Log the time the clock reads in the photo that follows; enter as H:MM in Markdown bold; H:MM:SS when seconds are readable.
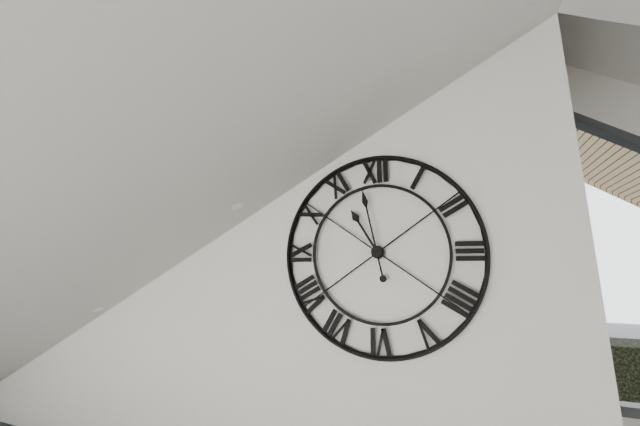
**10:58**
